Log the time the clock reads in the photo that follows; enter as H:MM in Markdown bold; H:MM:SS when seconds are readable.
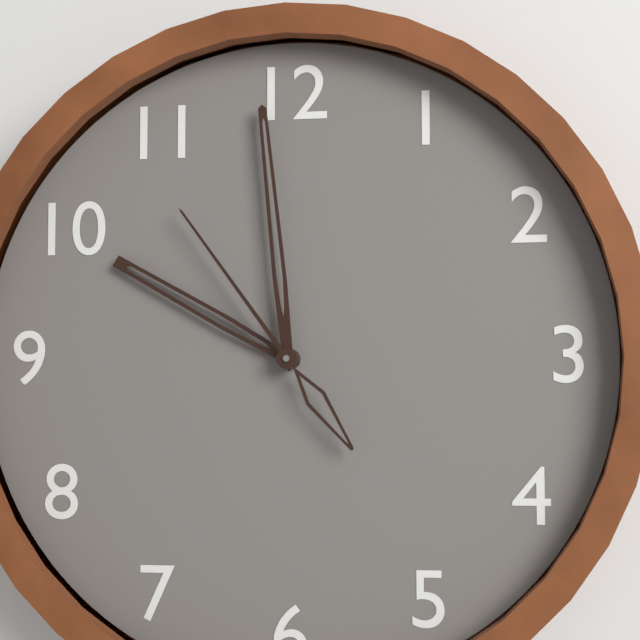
**9:59:54**
